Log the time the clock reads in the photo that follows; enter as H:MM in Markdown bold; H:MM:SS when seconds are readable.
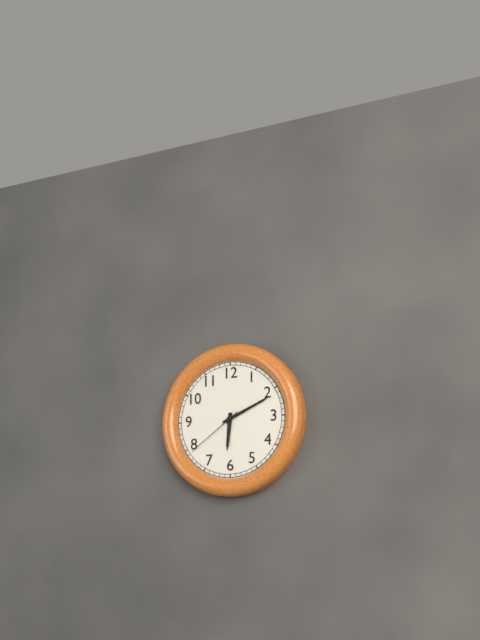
**6:11:39**
